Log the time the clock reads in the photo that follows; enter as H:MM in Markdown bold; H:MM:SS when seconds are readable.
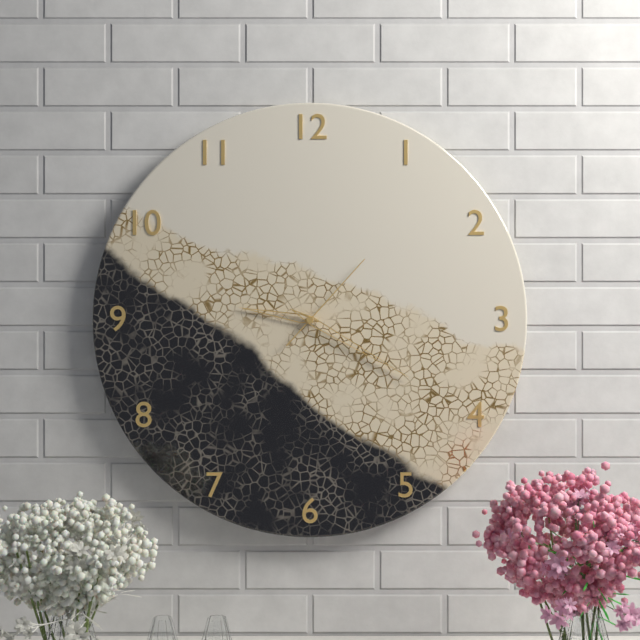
**9:20:07**
